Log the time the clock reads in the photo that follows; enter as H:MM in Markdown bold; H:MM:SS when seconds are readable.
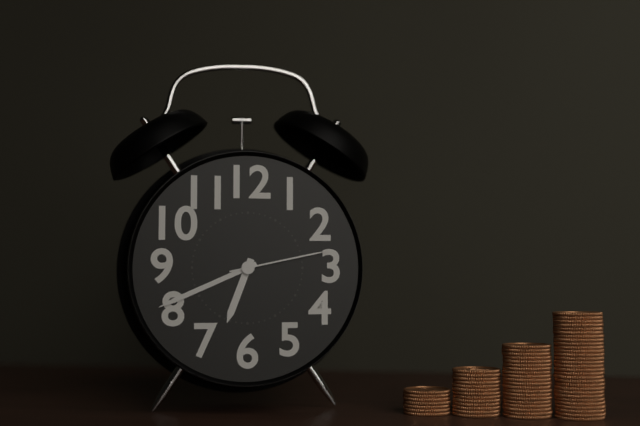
**6:41:13**
